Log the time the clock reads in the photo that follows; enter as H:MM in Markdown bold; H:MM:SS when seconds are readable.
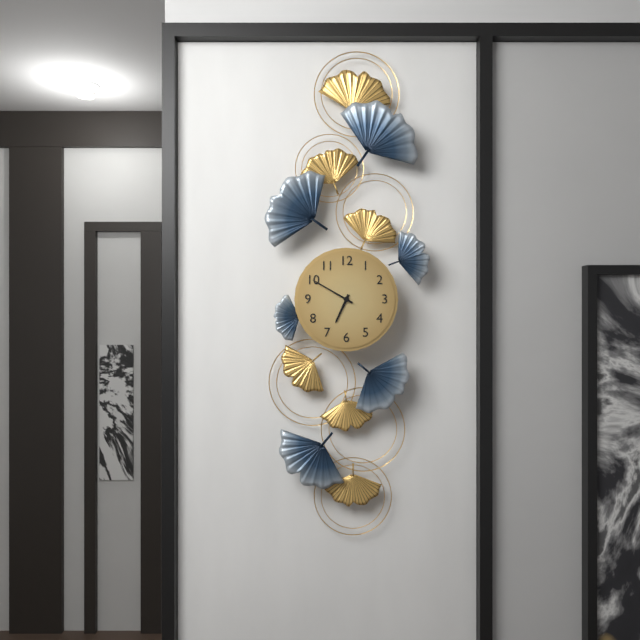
**6:50**
